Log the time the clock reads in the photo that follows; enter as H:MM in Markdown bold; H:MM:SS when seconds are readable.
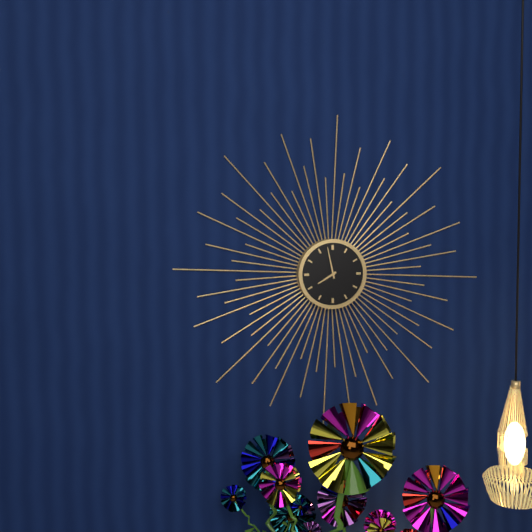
**7:58**
